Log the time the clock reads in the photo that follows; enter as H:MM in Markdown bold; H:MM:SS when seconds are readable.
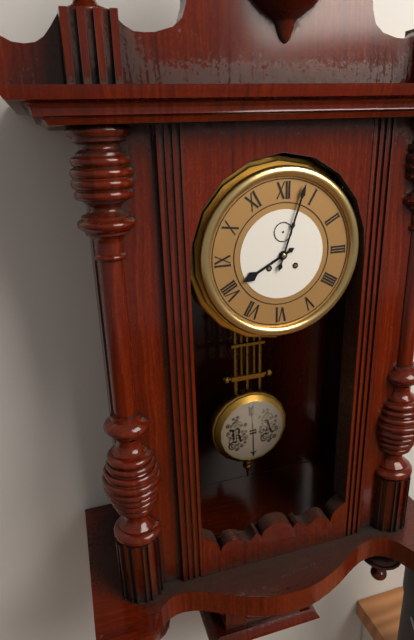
**8:03**
